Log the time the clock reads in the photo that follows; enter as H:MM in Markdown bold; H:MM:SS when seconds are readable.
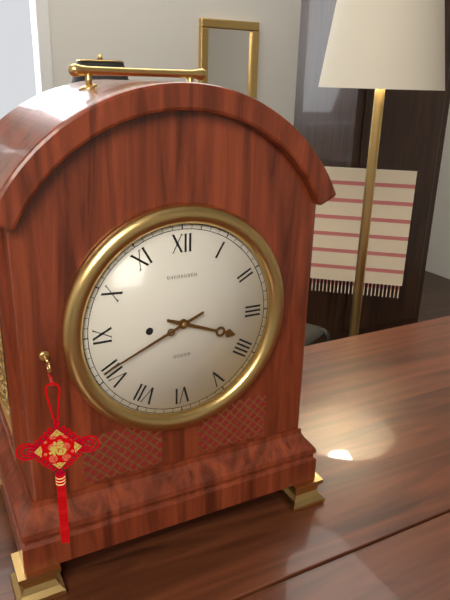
**3:41**
